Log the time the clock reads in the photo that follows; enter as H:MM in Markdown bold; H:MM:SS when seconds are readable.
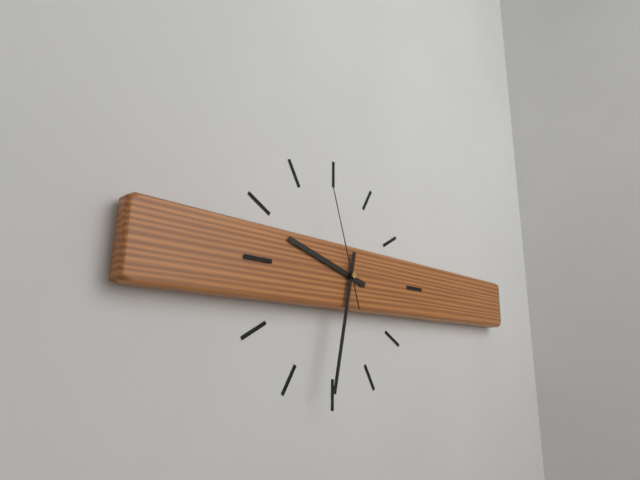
**9:32:57**
